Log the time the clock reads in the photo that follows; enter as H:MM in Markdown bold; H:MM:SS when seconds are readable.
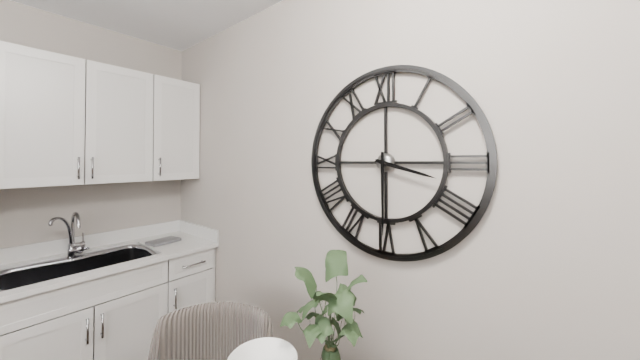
**3:30**
